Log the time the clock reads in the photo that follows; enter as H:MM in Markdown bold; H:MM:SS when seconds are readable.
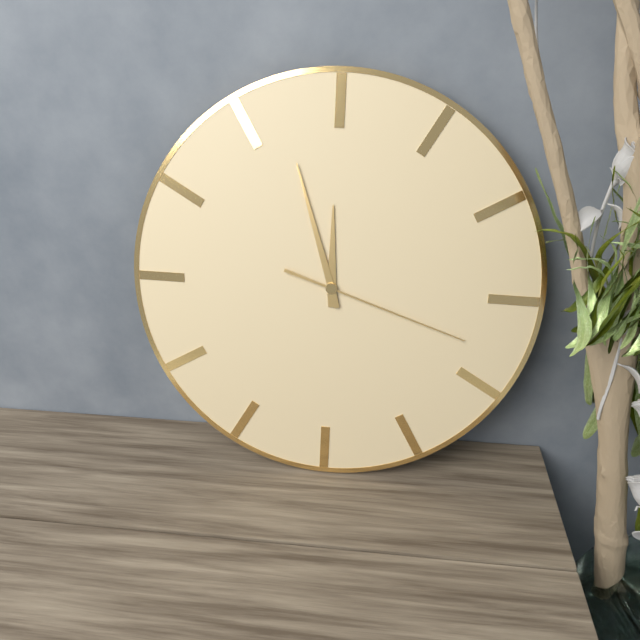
**11:57:18**
